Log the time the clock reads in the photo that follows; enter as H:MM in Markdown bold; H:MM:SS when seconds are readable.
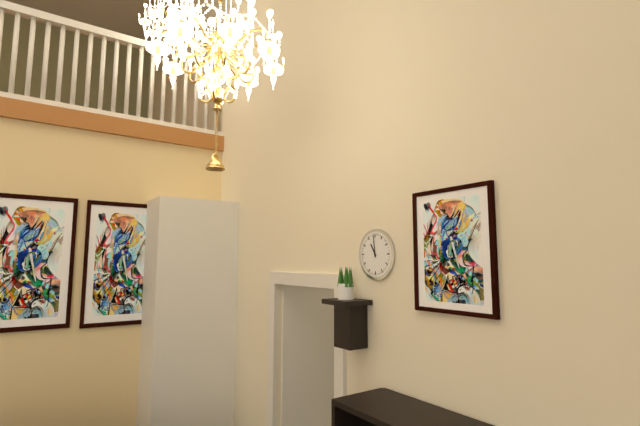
**10:59**
